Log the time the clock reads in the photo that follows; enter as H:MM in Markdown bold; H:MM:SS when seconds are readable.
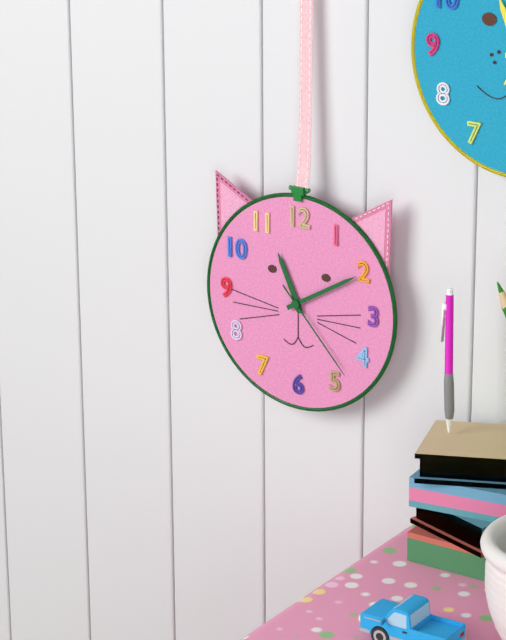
**11:10:23**
